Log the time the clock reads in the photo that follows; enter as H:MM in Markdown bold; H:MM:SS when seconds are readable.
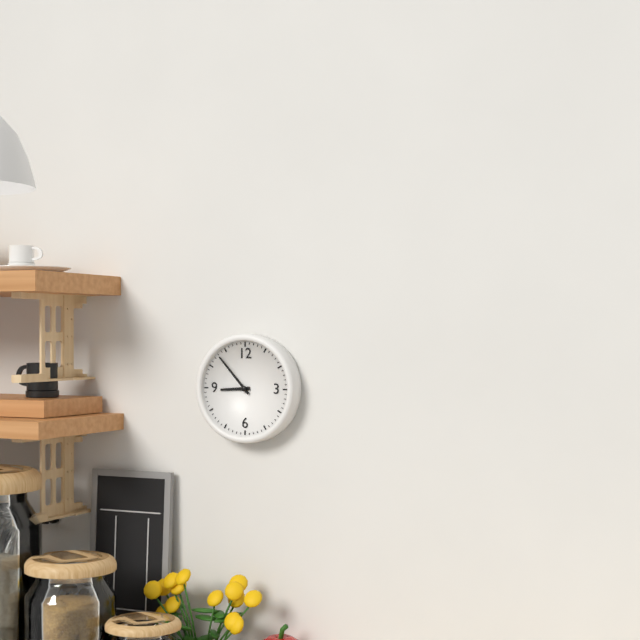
**8:53**
